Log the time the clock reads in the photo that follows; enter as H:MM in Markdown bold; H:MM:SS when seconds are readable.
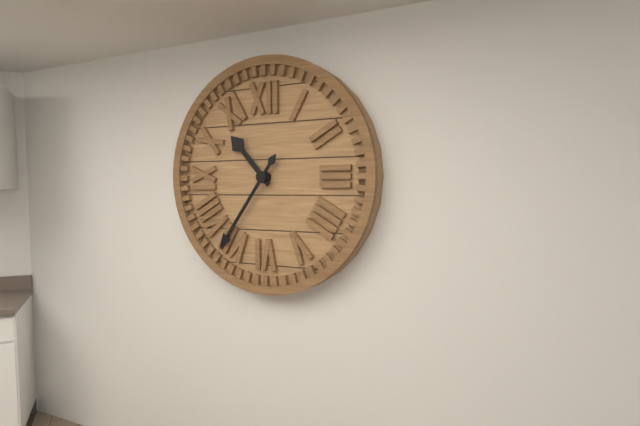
**10:36**
